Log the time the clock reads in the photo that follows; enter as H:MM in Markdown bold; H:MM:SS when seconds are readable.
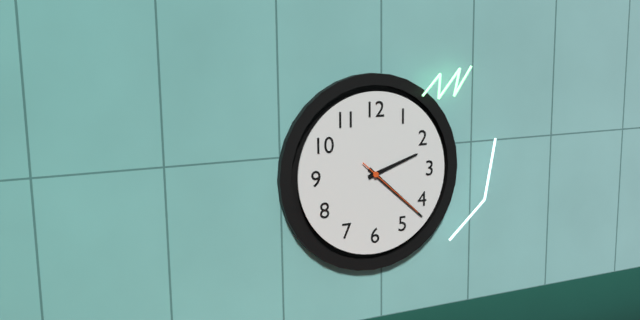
**2:22:22**
